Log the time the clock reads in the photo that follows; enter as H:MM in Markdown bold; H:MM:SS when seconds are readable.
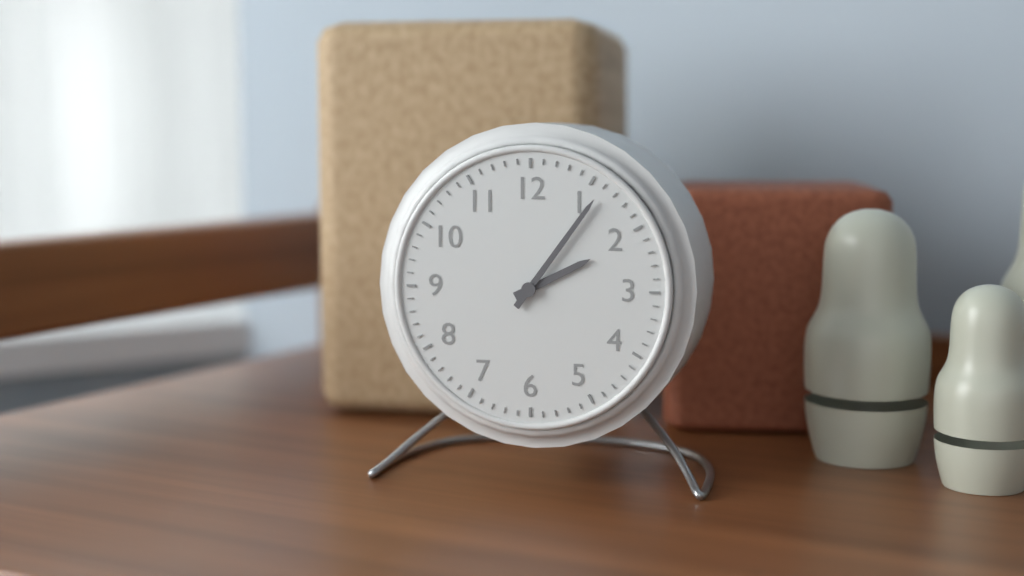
**2:06**
